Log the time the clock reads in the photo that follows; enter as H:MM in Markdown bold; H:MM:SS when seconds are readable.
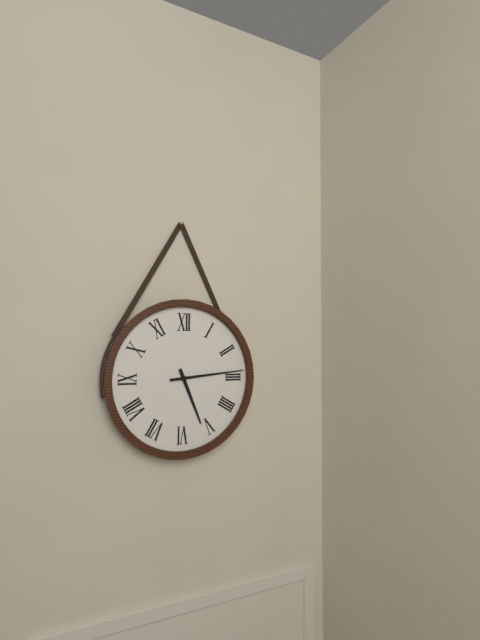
**5:14**
